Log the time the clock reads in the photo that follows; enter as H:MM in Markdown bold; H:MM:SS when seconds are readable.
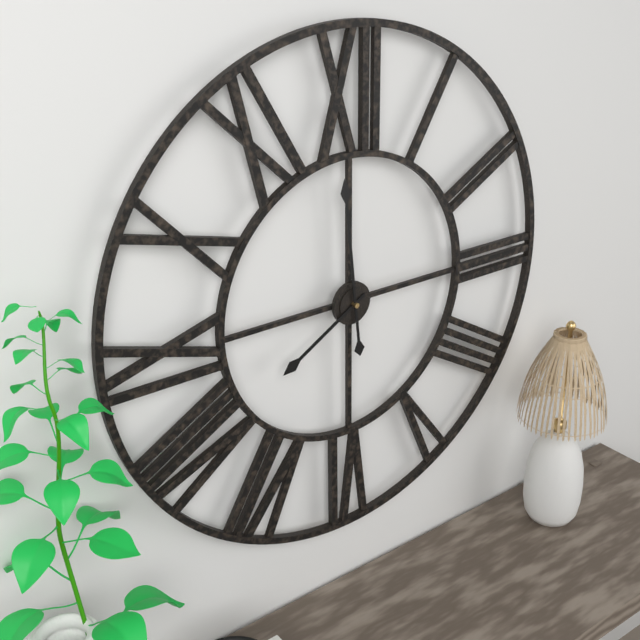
**7:59**
